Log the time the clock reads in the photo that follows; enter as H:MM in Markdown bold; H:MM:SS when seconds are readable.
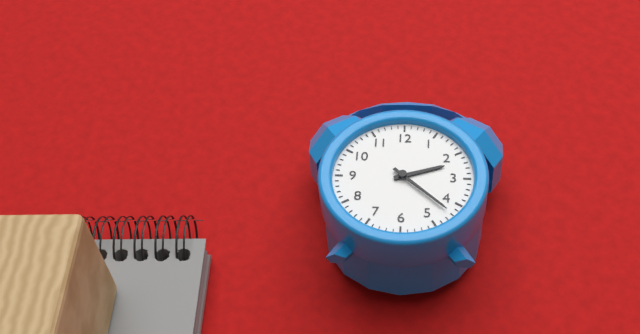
**2:22**
